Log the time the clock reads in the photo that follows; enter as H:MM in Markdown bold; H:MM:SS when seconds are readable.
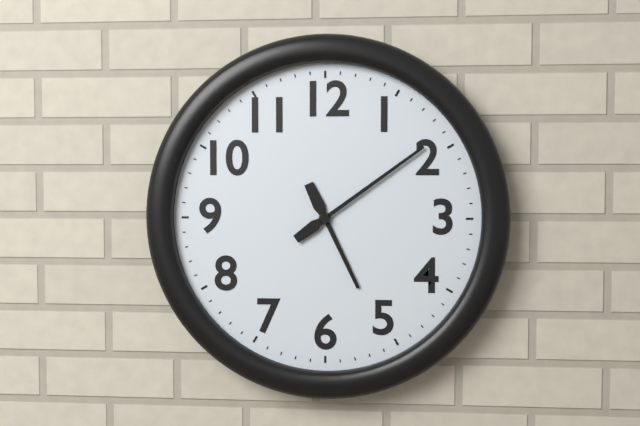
**5:09**
